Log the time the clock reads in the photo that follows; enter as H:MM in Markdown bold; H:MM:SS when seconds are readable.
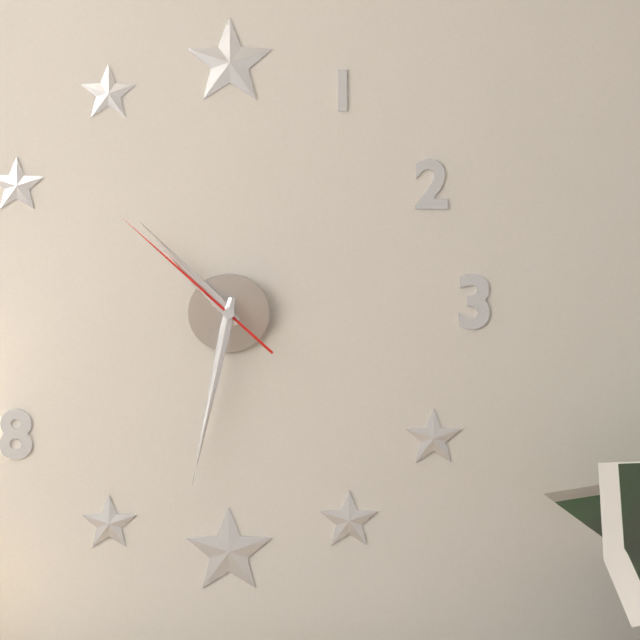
**10:32:52**
